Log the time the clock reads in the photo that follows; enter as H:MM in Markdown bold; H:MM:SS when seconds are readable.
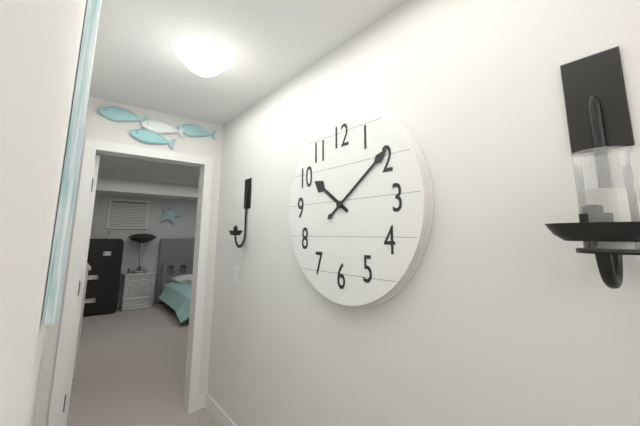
**10:09**
